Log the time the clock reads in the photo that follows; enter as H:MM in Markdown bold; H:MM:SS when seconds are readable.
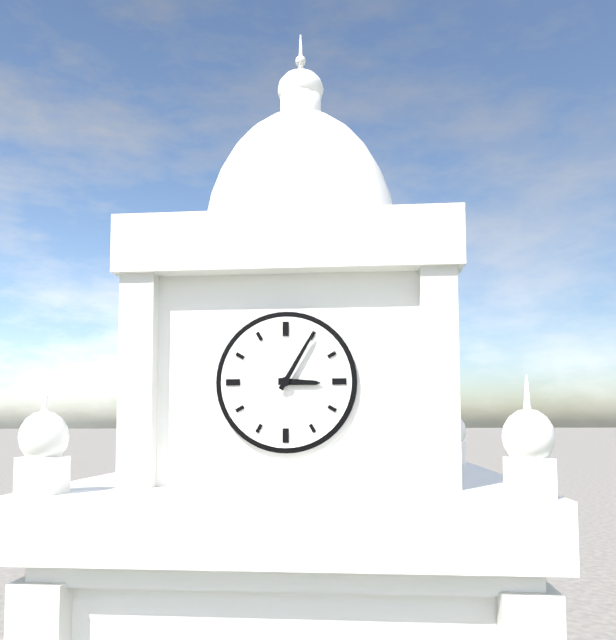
**3:05**
